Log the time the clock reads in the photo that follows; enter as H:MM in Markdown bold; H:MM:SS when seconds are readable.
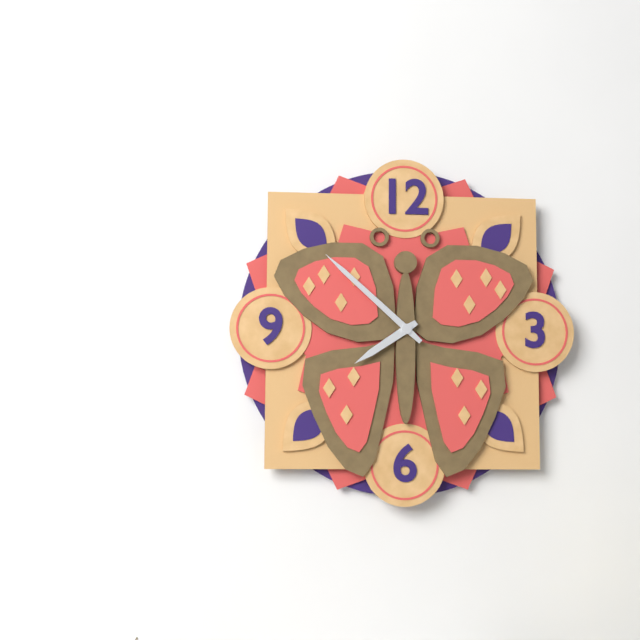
**7:52**
